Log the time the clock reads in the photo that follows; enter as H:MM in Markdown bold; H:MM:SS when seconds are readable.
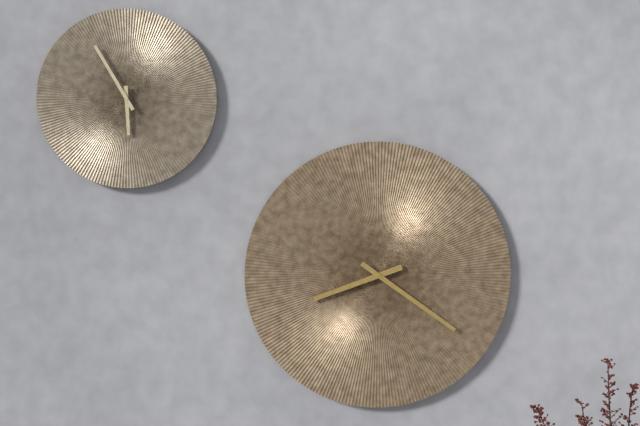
**8:21**
